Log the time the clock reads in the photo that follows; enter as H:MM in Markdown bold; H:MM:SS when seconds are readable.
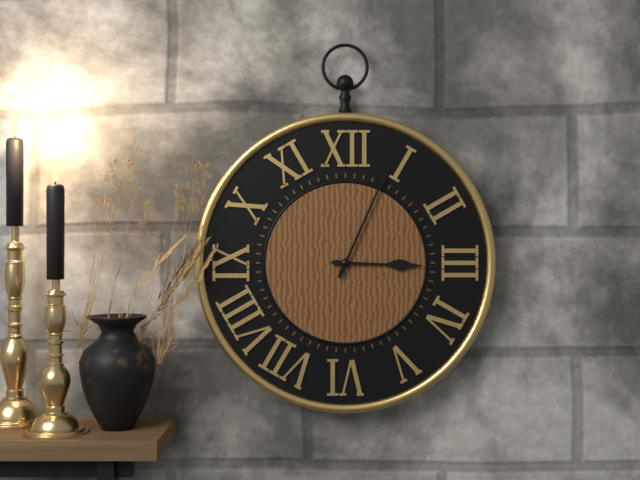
**3:04**
